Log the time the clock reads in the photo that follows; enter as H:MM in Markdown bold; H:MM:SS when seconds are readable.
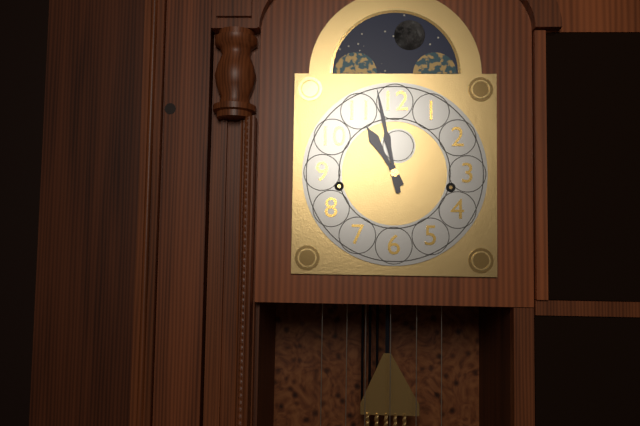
**10:58**
